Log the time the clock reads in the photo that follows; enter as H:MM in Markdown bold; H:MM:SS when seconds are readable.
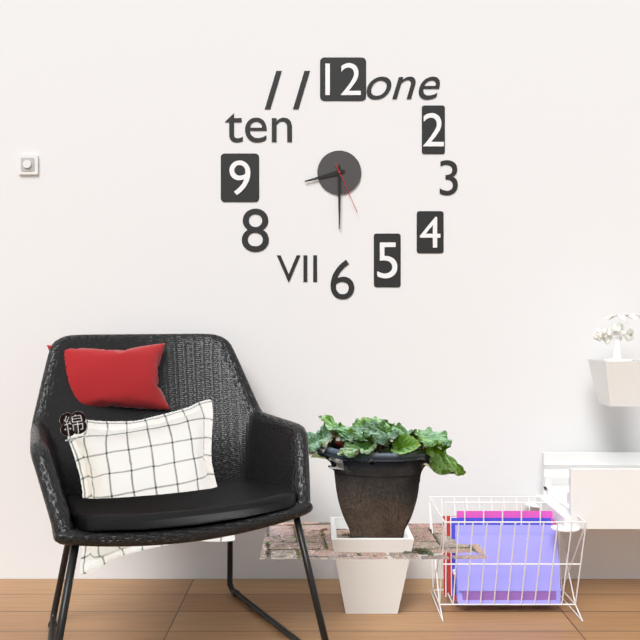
**8:30:26**
